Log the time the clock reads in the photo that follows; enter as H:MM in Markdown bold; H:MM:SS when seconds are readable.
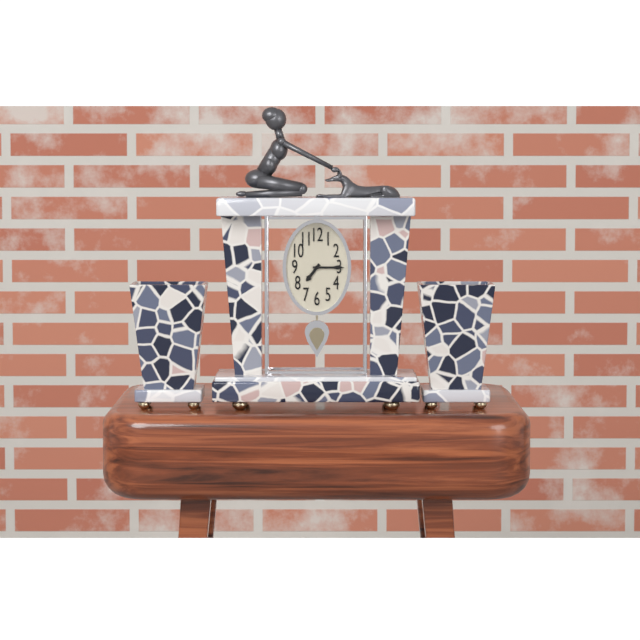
**7:15**
